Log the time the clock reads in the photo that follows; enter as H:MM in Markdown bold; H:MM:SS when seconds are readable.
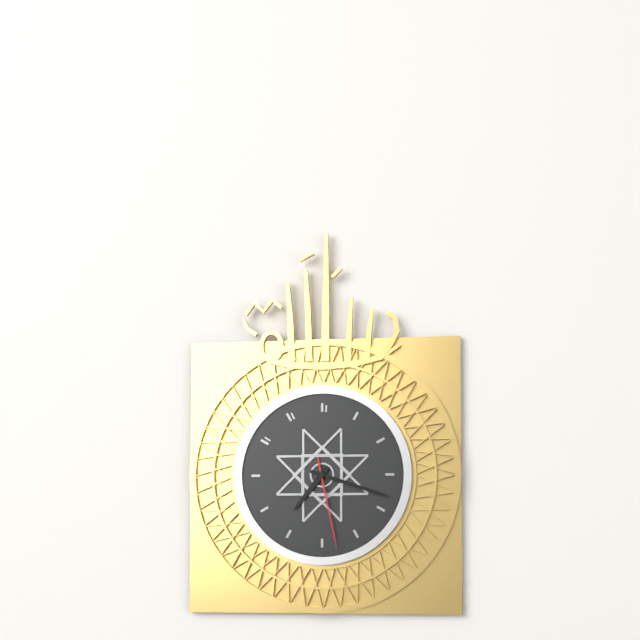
**7:18:28**
